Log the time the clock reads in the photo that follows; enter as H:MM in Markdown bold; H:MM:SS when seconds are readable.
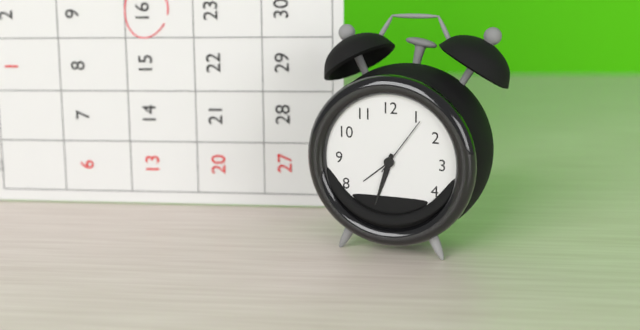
**6:33:06**
